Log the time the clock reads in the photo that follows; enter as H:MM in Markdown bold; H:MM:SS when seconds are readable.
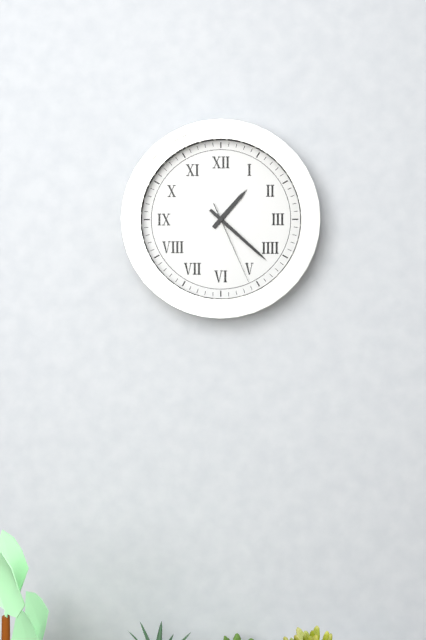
**1:22:26**
